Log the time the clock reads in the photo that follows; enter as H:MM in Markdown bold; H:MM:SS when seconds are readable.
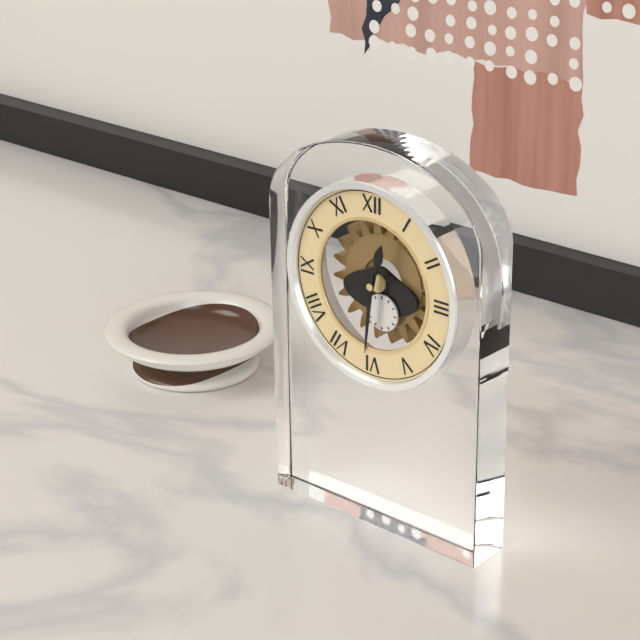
**12:31**
